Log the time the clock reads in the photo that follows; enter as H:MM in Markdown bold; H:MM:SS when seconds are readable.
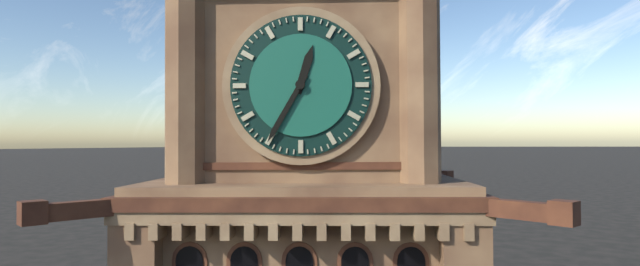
**12:35**
